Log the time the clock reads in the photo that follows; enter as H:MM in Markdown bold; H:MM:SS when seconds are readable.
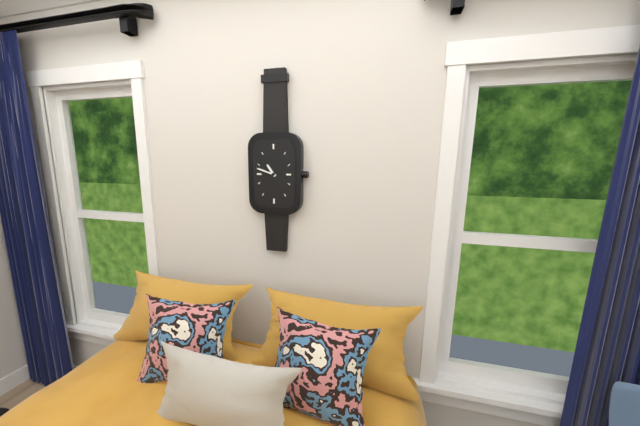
**10:48**
